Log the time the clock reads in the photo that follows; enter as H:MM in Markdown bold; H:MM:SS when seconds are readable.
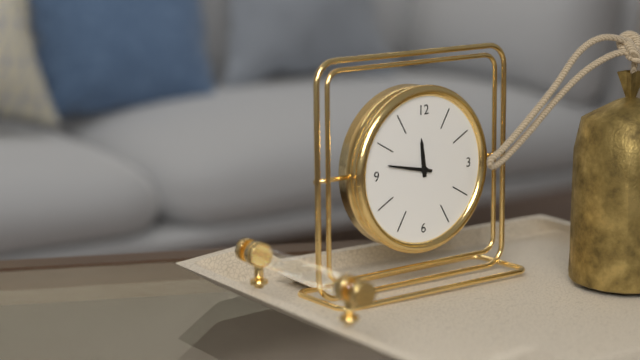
**11:47**
